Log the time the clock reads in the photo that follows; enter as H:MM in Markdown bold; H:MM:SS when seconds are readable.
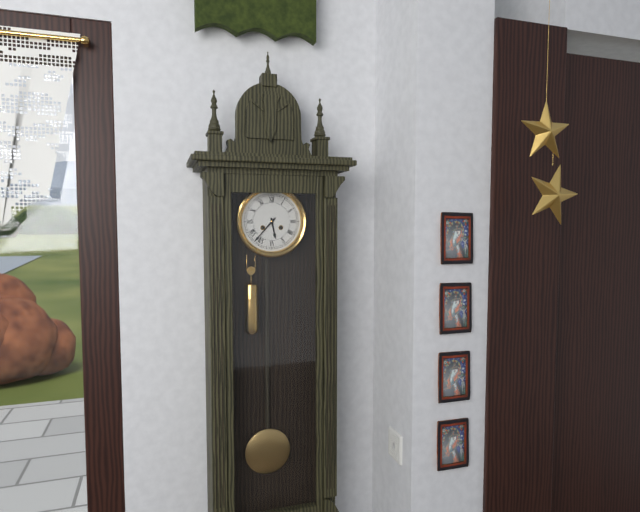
**5:37**
